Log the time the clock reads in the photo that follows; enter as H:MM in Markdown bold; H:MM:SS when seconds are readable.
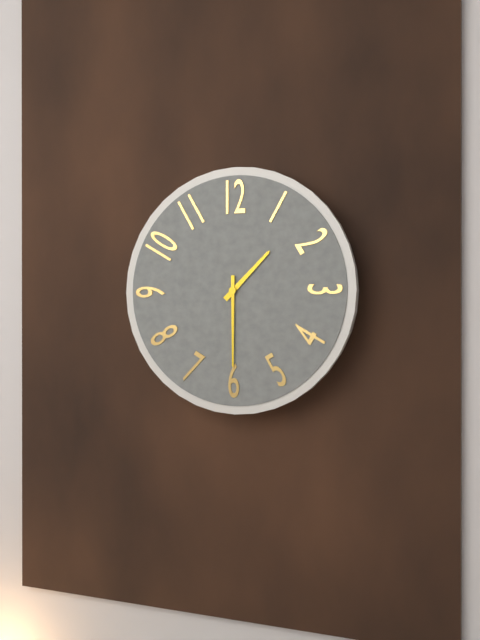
**1:30**
